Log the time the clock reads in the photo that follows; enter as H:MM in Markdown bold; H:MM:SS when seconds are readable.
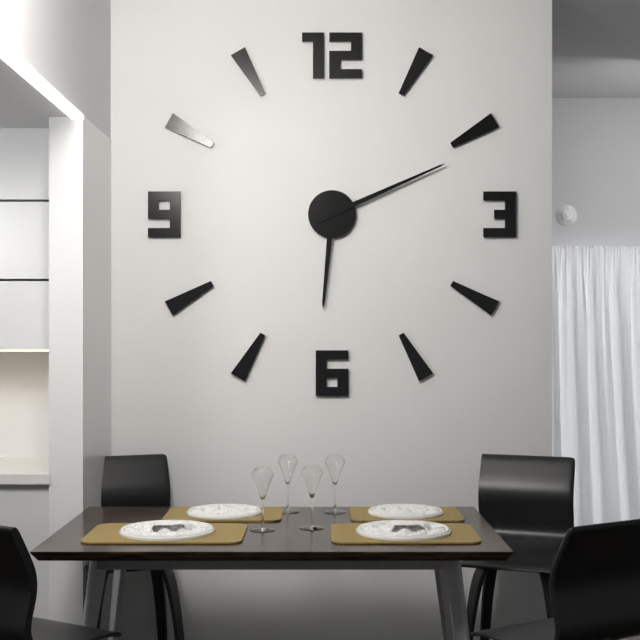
**6:11**
